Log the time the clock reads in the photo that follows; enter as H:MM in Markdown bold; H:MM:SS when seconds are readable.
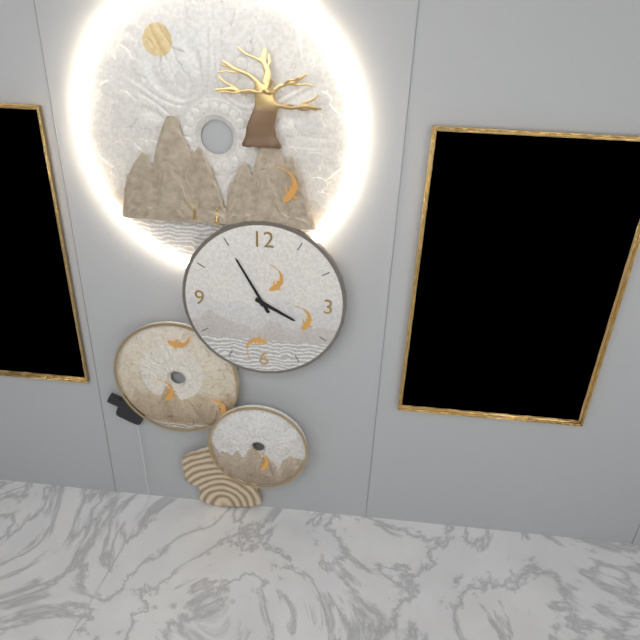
**3:55**
